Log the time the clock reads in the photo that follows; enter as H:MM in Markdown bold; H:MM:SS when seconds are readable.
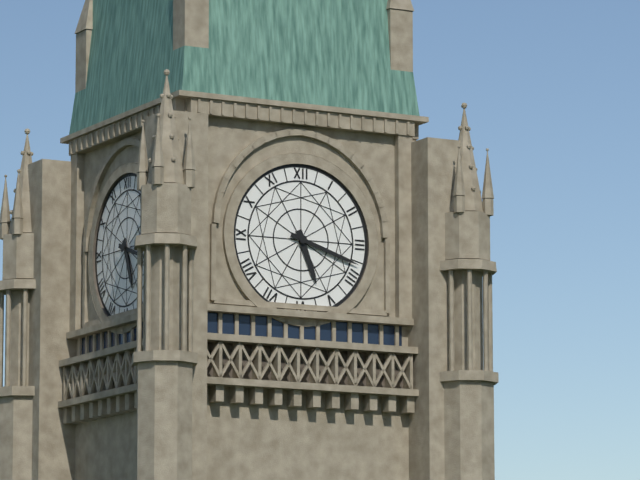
**5:18**
